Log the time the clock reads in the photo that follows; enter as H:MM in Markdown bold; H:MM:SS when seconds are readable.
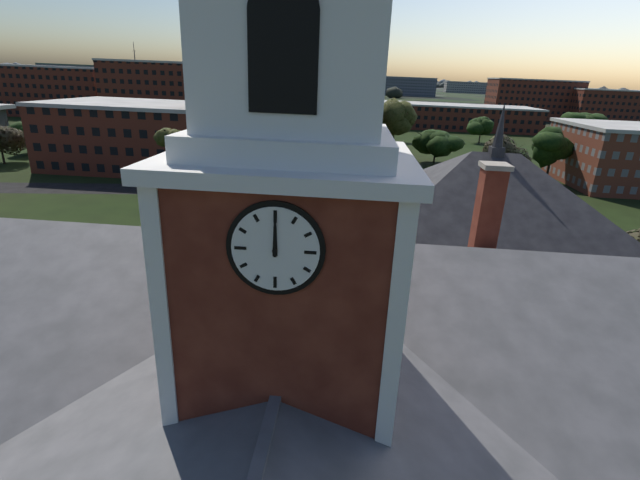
**12:00**
